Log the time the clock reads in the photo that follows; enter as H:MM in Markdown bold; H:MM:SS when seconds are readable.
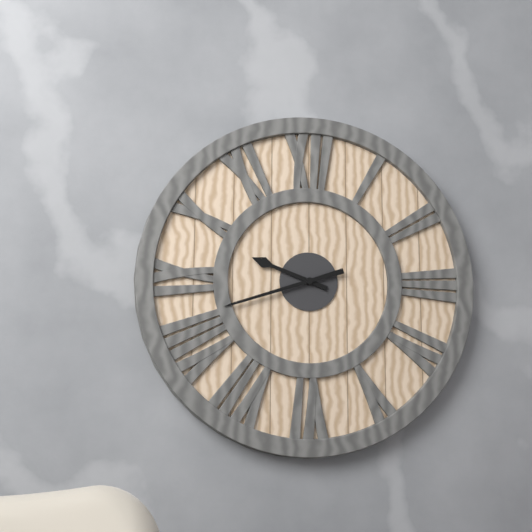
**9:42**
